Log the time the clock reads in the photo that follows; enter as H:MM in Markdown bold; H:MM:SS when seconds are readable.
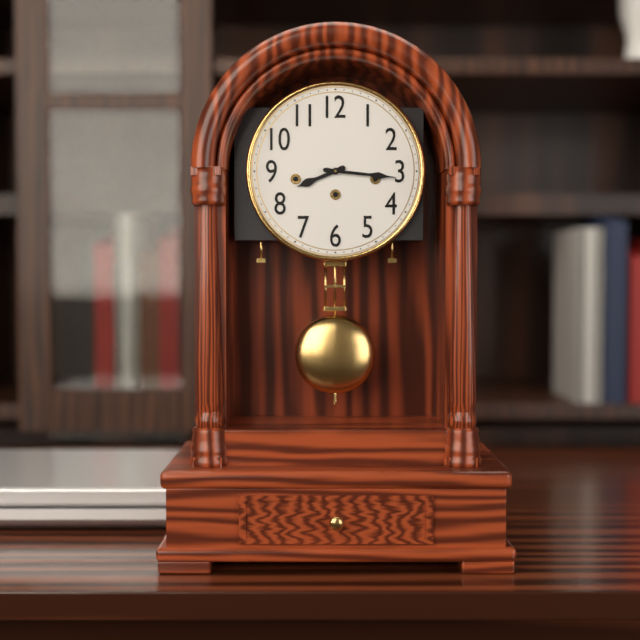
**8:16**
